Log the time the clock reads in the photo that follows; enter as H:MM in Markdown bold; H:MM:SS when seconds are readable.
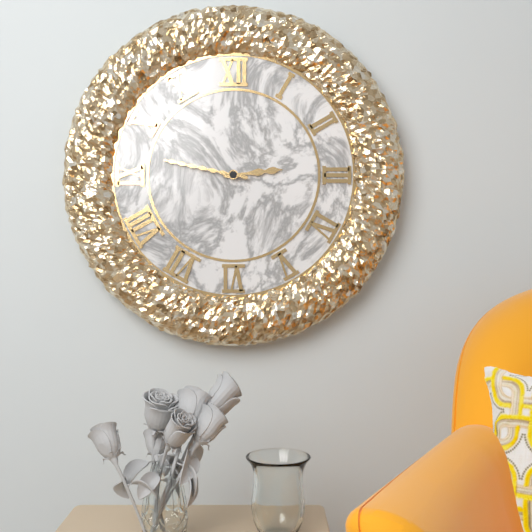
**2:47**
